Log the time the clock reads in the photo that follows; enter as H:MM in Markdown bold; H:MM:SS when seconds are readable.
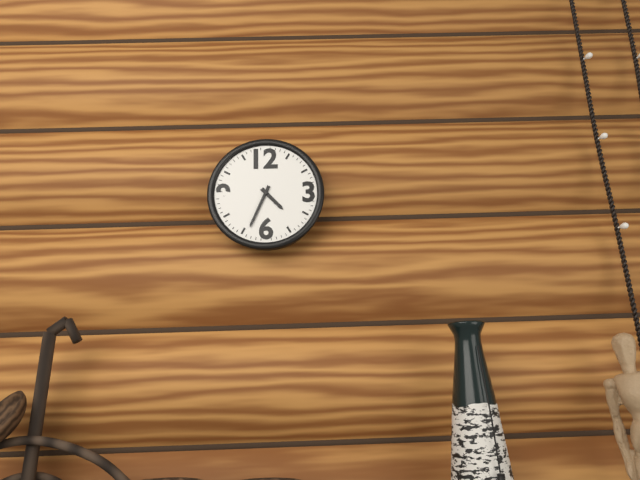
**4:34**
